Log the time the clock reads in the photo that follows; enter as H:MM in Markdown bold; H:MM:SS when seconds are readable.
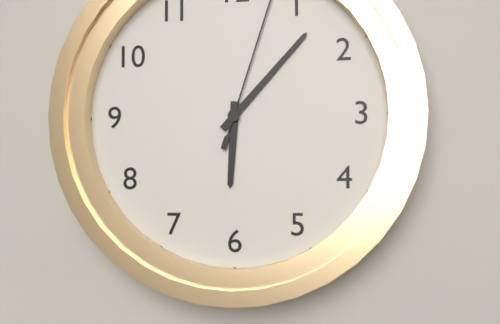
**6:07**
